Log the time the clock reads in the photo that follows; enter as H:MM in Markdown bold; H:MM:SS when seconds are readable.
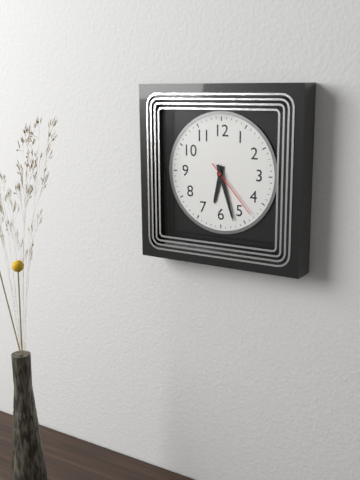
**6:27:23**
